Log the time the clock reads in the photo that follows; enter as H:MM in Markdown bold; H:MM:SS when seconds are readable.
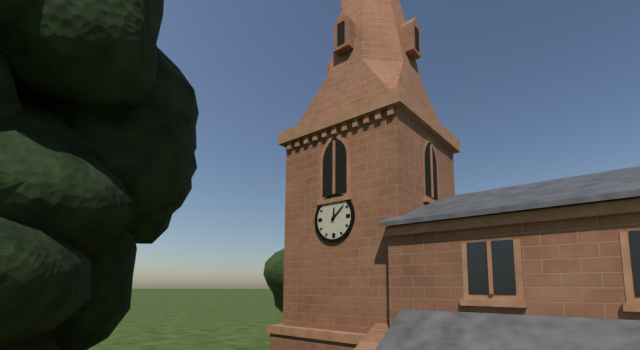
**12:08**
